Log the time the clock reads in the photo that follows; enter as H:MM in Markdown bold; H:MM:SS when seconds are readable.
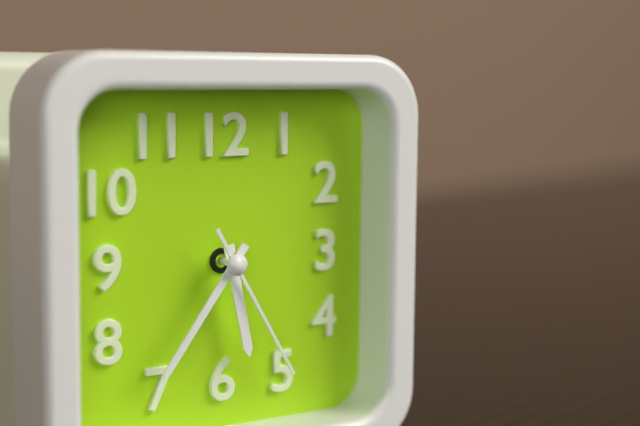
**5:36:25**
